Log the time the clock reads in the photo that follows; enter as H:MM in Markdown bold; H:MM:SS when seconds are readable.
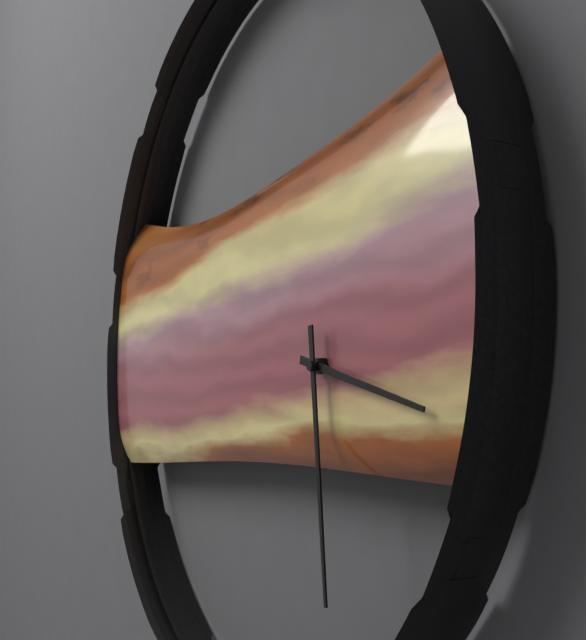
**3:29**
